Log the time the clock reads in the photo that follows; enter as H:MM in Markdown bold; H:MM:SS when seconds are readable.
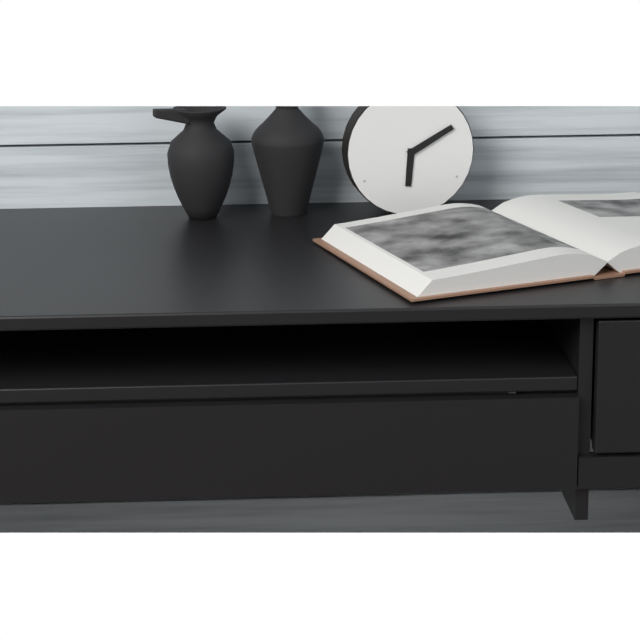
**6:10**
